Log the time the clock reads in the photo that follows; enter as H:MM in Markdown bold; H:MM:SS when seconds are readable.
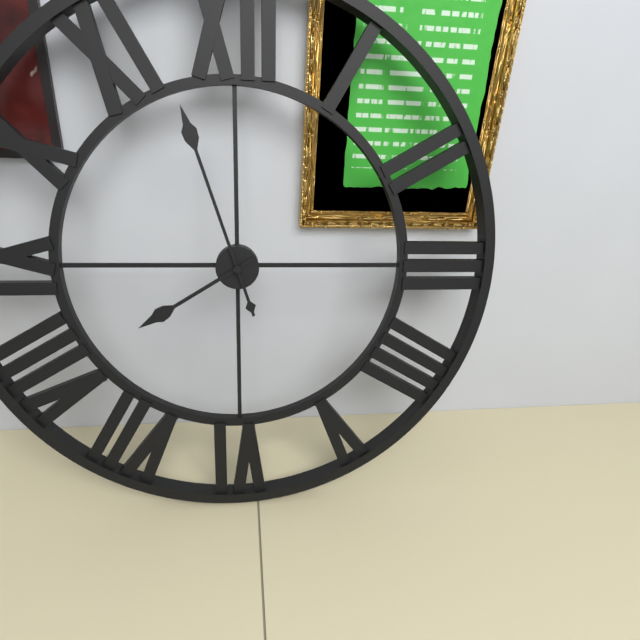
**7:57**
